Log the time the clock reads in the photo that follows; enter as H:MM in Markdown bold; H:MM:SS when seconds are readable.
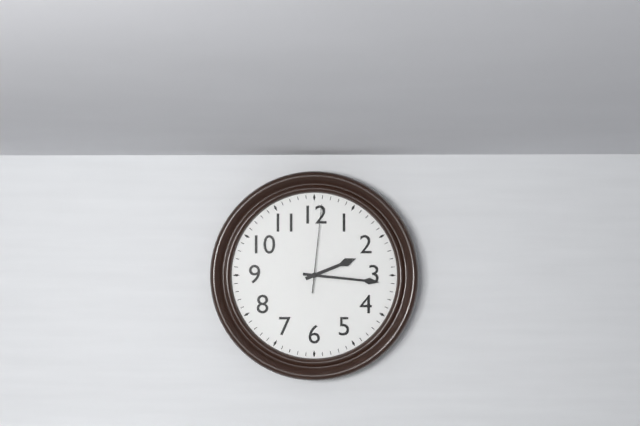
**2:16:01**
